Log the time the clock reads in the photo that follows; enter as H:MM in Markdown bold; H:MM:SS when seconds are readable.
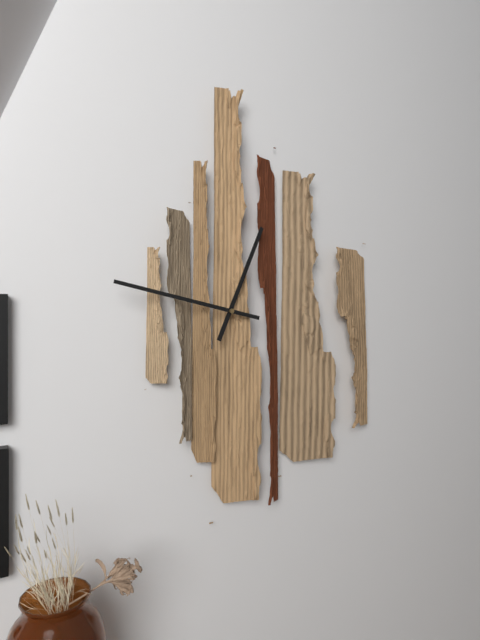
**12:47**
